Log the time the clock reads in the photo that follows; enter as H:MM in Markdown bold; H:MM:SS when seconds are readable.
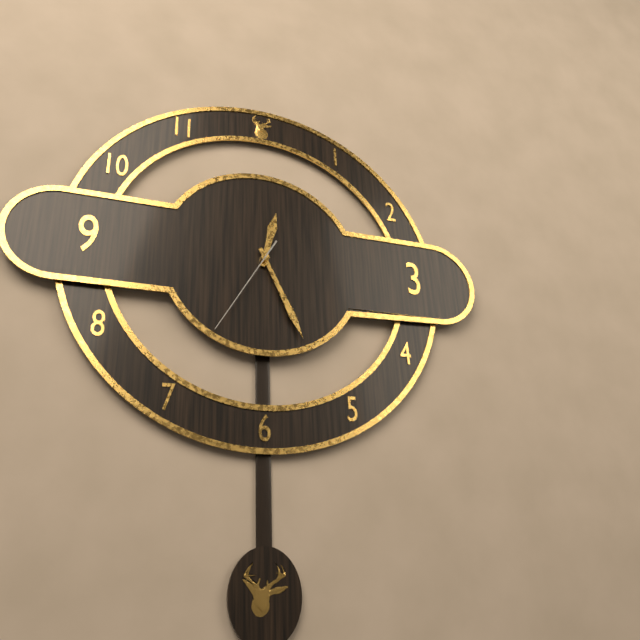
**12:26:35**
